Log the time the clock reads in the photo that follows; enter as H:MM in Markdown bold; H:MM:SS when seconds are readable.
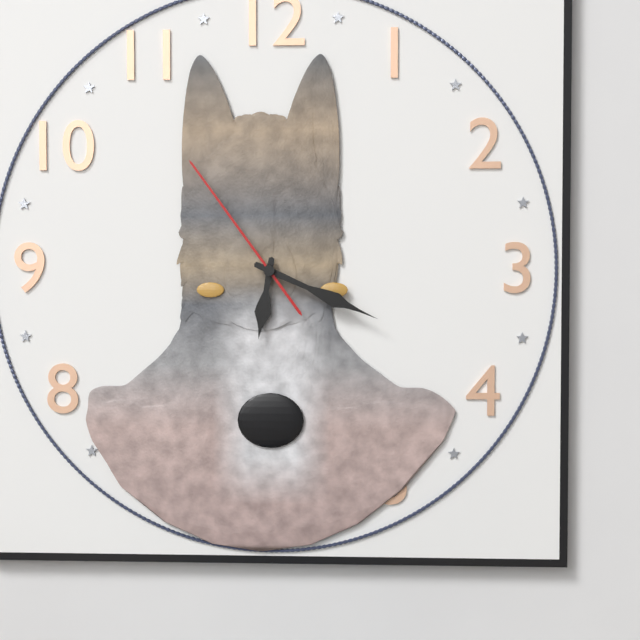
**6:19:54**
